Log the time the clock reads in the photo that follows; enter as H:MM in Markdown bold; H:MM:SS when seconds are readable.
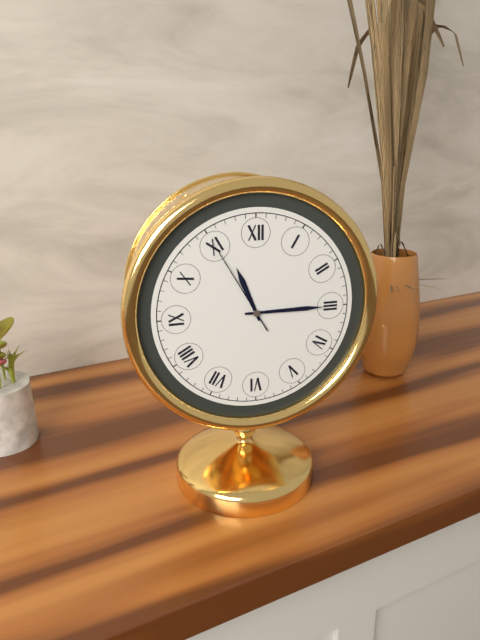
**11:15:55**
